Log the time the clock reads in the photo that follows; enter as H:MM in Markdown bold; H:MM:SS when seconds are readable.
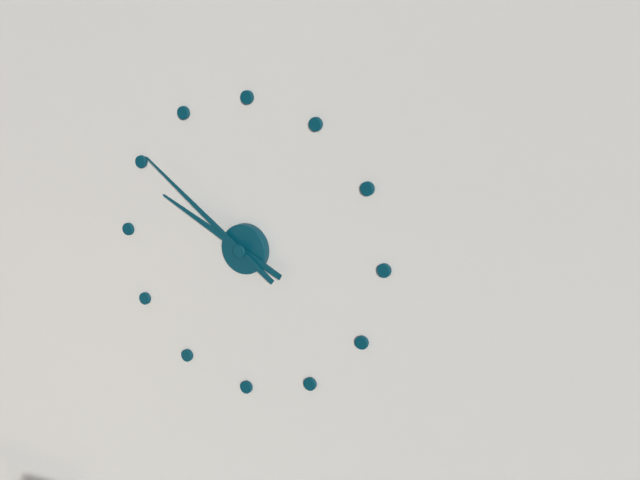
**9:51**
